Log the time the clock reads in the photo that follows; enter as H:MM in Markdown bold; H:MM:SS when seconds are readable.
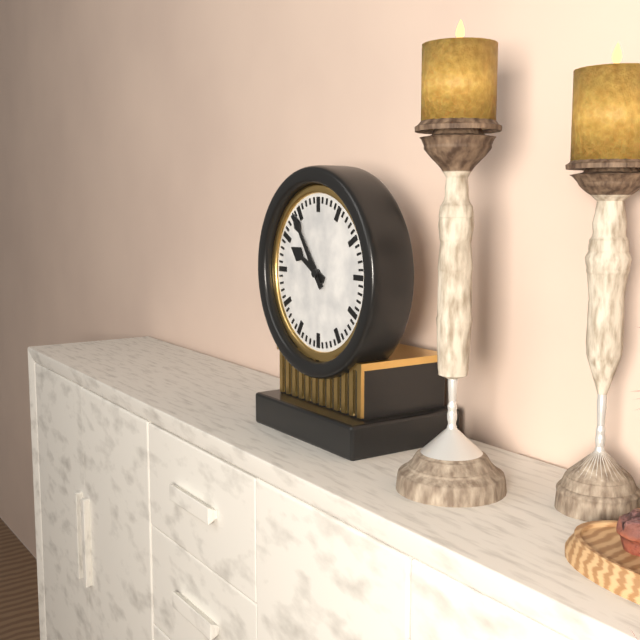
**9:54**
